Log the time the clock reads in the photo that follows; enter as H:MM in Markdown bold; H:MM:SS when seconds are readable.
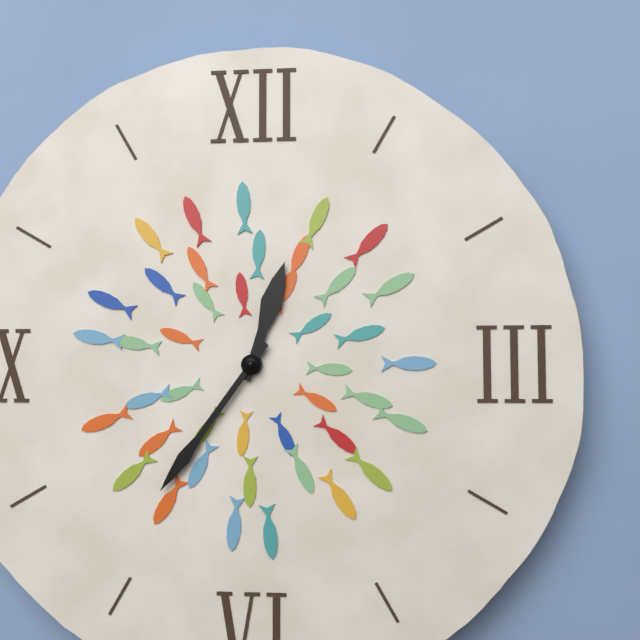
**12:36**
